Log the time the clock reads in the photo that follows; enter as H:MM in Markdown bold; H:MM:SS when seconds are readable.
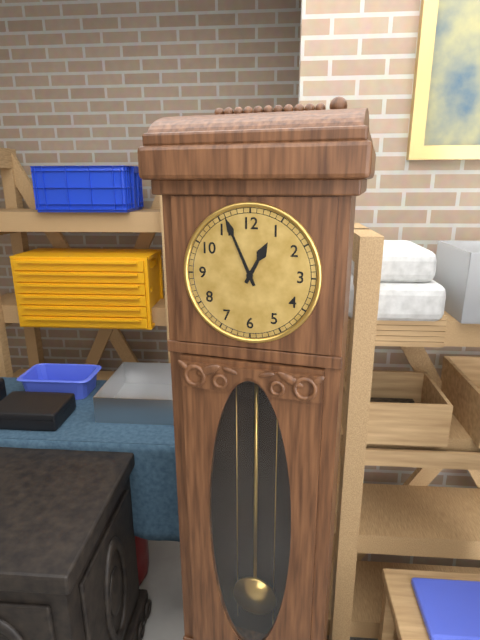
**12:56**
